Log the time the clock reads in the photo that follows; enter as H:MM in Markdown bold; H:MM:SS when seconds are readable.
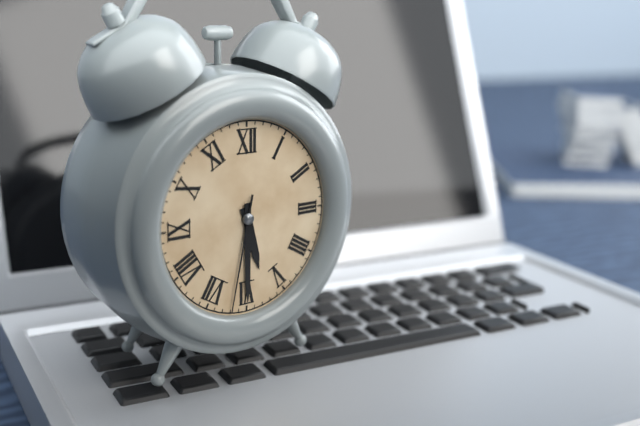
**5:30:32**
